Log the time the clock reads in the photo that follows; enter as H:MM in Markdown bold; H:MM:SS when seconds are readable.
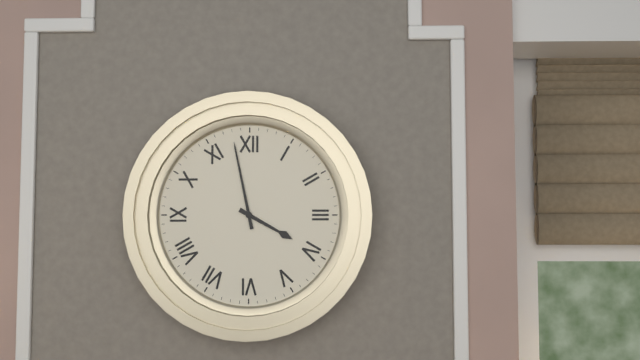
**3:58**
